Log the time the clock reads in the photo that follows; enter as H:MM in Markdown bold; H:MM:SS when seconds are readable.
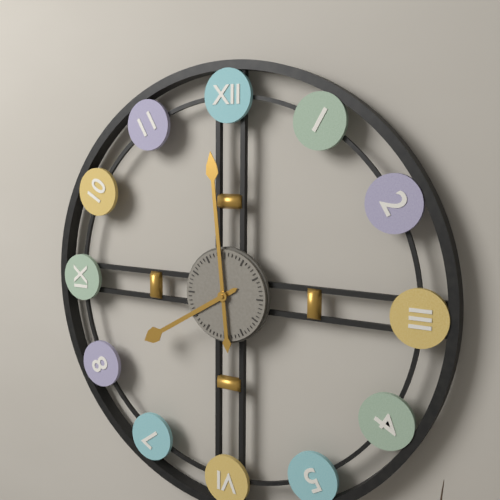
**7:59**
